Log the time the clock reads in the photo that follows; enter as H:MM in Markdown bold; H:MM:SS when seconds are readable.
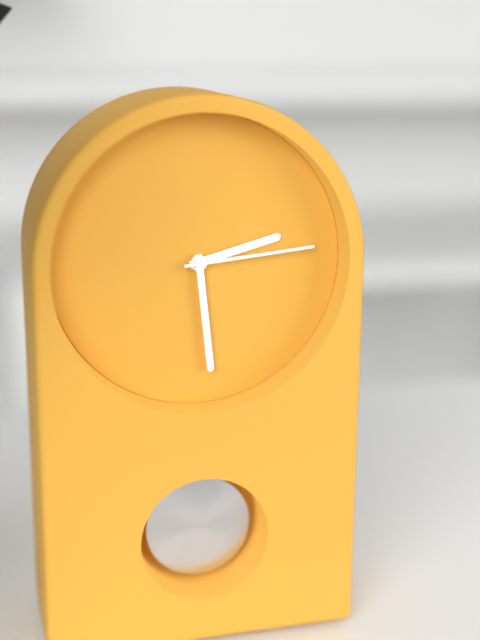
**2:29:14**
